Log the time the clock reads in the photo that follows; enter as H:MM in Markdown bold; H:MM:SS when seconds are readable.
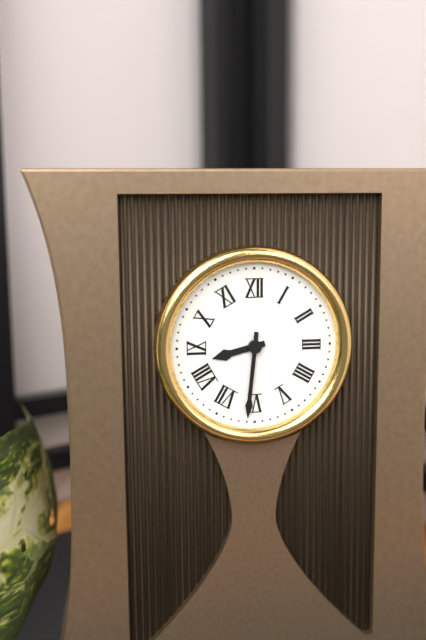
**8:31**
